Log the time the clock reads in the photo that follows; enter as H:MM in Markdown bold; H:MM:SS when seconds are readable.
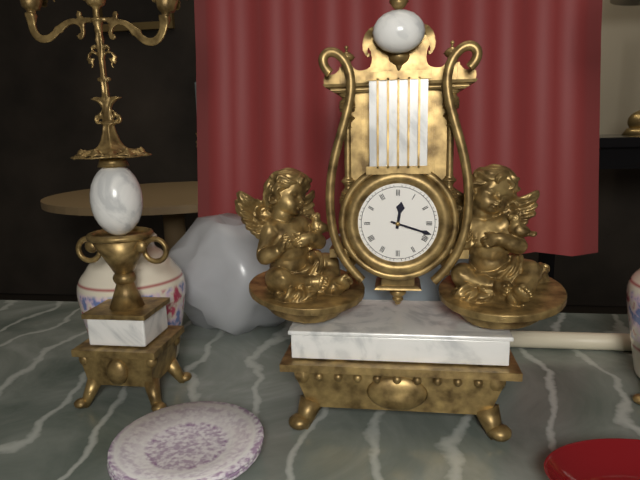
**12:18**
